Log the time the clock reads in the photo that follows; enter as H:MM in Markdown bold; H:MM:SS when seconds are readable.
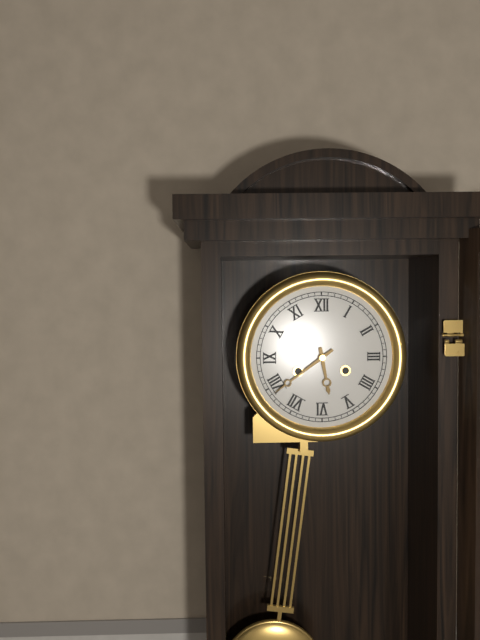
**5:39**
